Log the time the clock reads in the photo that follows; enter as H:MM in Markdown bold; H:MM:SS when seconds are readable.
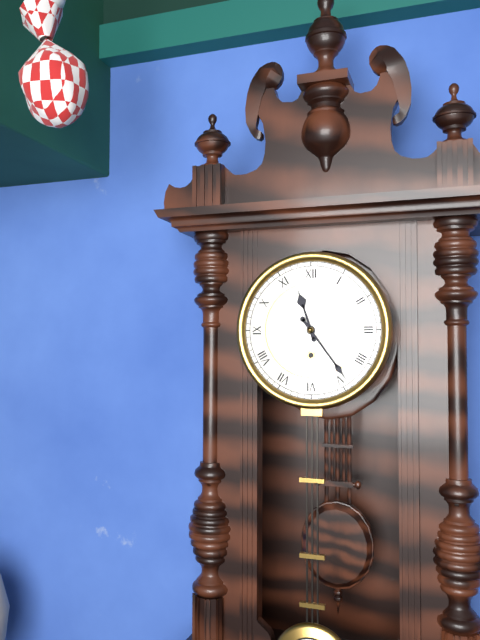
**11:24**
